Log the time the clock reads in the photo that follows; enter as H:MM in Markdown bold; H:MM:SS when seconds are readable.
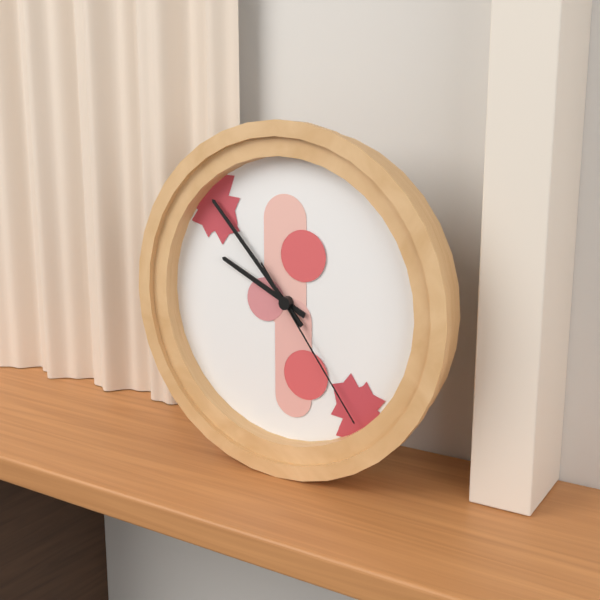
**9:53:24**
